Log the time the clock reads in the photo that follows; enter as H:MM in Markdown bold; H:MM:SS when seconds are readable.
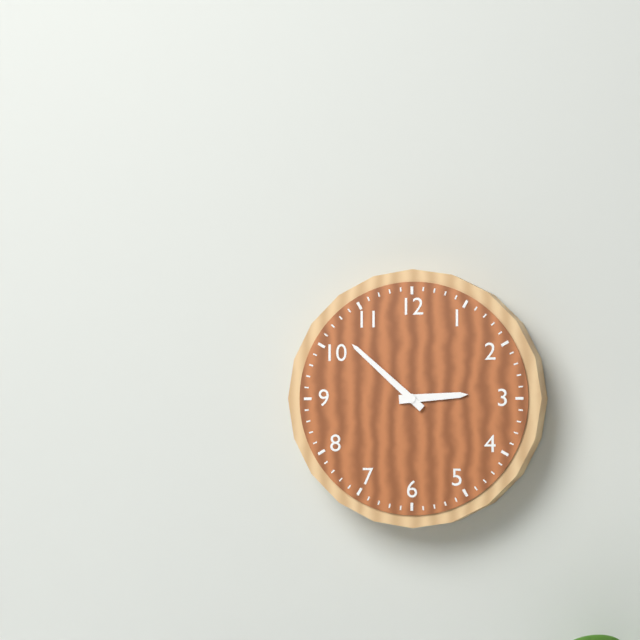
**2:52**
